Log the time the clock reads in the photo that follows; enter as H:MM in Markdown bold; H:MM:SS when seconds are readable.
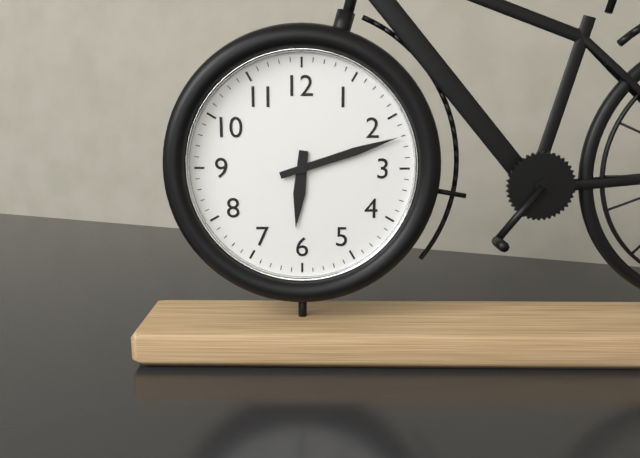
**6:12**
